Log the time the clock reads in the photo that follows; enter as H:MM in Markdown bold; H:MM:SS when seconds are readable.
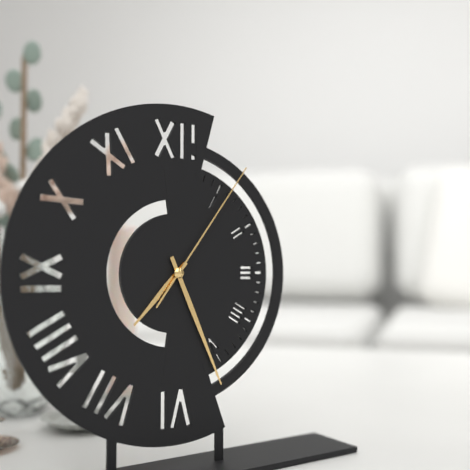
**7:26:06**
